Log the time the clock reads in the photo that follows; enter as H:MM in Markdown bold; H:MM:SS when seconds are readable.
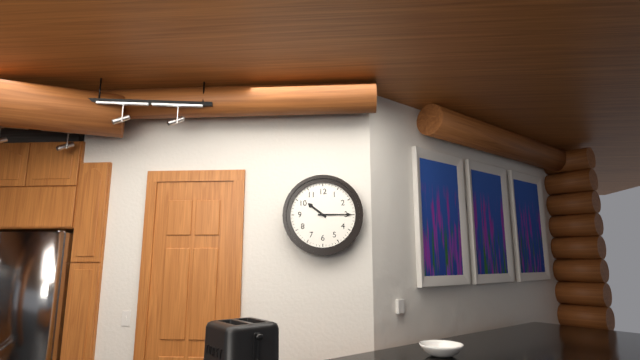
**10:15**
